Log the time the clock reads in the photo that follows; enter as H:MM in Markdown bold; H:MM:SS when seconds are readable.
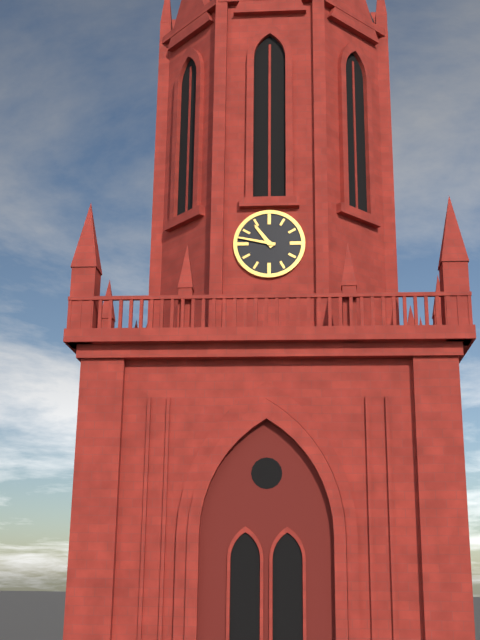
**10:47**
